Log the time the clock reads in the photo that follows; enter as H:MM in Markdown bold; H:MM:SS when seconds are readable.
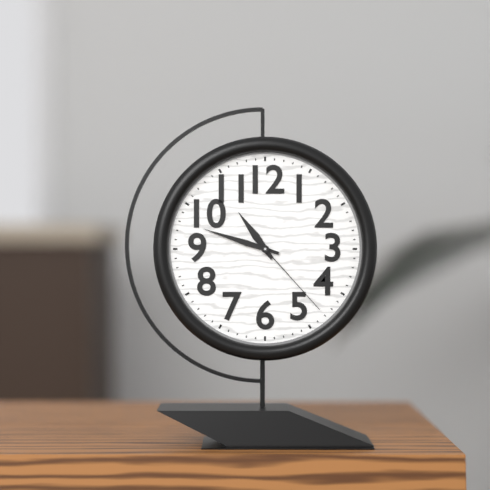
**10:48:23**
